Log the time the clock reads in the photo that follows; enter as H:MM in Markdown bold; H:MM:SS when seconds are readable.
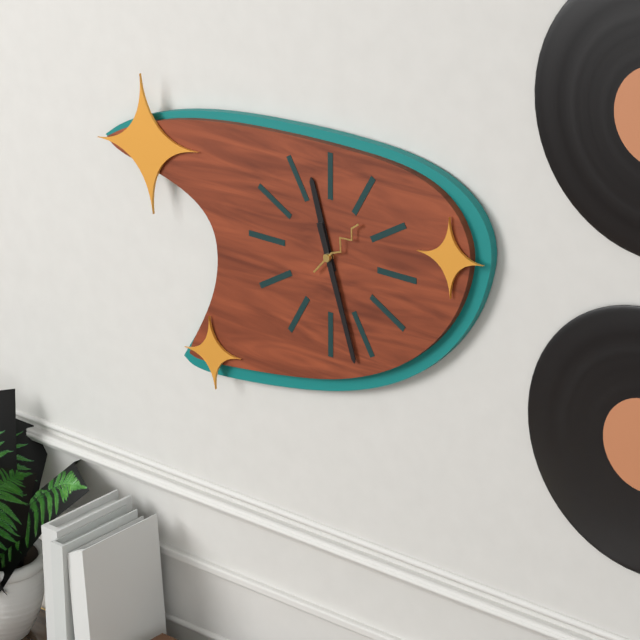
**11:27**
